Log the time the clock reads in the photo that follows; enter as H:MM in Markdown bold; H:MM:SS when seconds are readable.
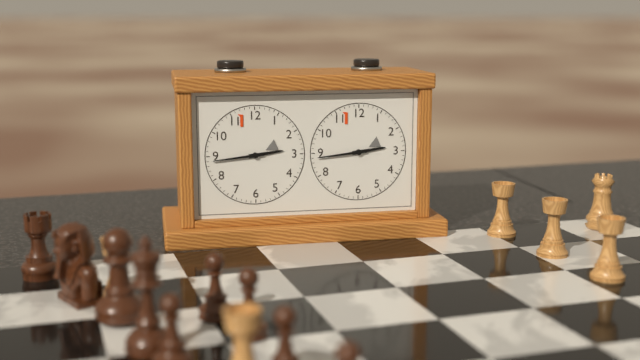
**2:44**
